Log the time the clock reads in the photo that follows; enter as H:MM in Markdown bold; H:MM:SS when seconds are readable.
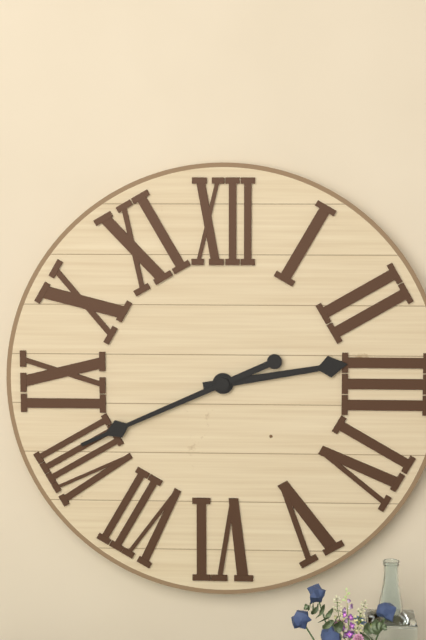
**2:41**
